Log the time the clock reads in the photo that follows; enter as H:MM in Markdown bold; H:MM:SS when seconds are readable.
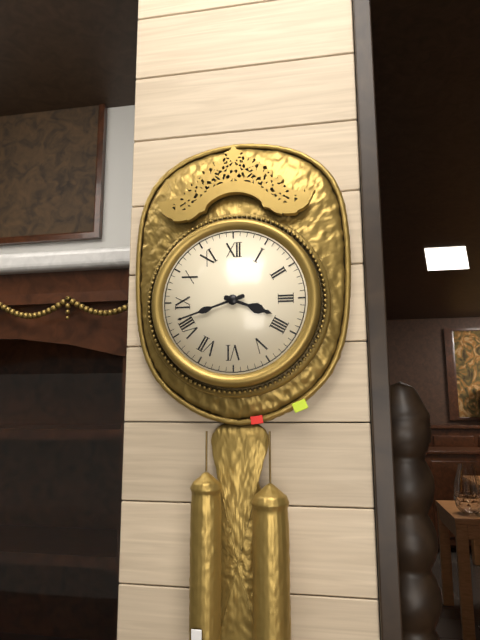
**3:42**
